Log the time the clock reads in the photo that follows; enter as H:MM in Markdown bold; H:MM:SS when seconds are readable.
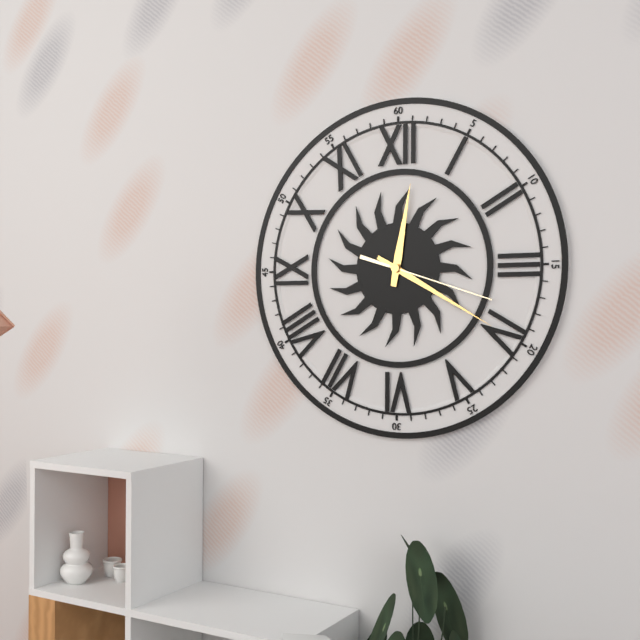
**12:20:18**
